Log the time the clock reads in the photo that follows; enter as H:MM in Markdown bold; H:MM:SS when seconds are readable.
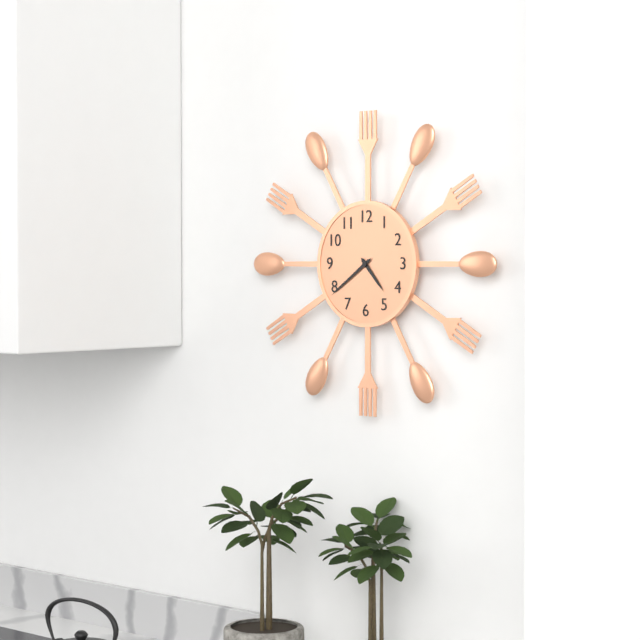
**4:39**
